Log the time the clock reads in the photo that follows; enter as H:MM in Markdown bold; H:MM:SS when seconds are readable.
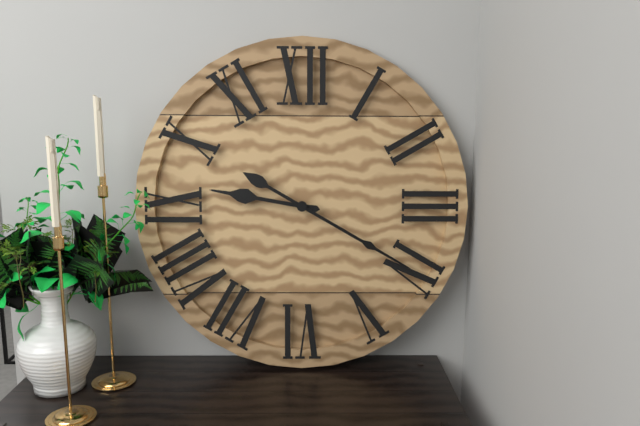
**9:20**
